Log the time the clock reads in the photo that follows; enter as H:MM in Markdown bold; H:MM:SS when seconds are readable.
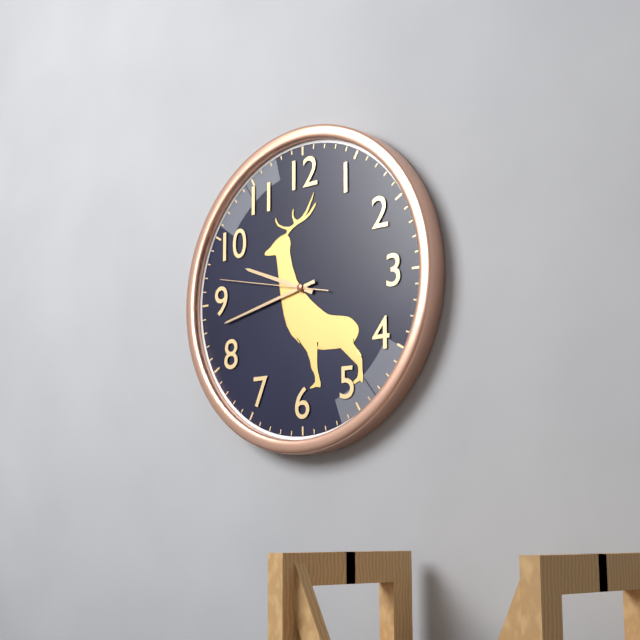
**9:43:47**
